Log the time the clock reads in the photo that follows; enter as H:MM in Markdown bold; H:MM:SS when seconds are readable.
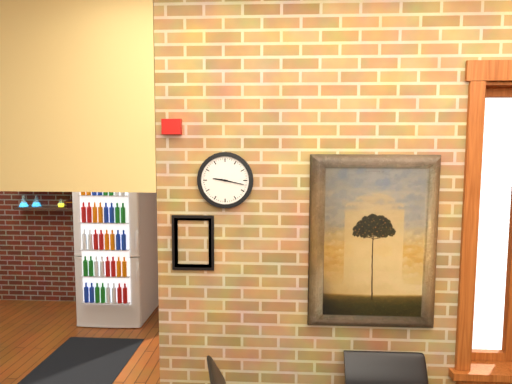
**9:17**
